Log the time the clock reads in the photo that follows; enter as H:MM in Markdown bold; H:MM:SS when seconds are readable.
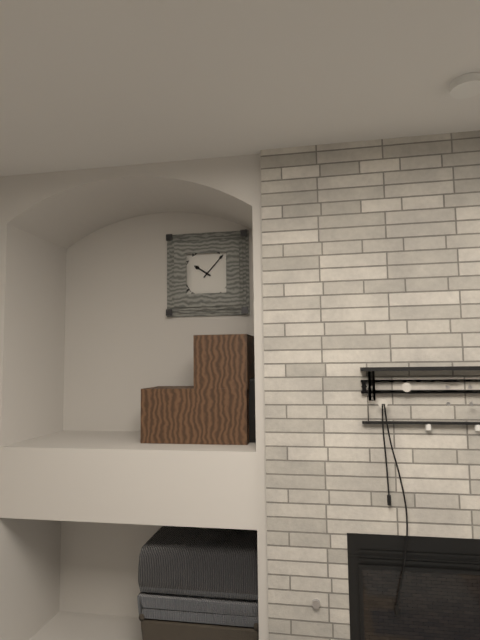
**10:07**
